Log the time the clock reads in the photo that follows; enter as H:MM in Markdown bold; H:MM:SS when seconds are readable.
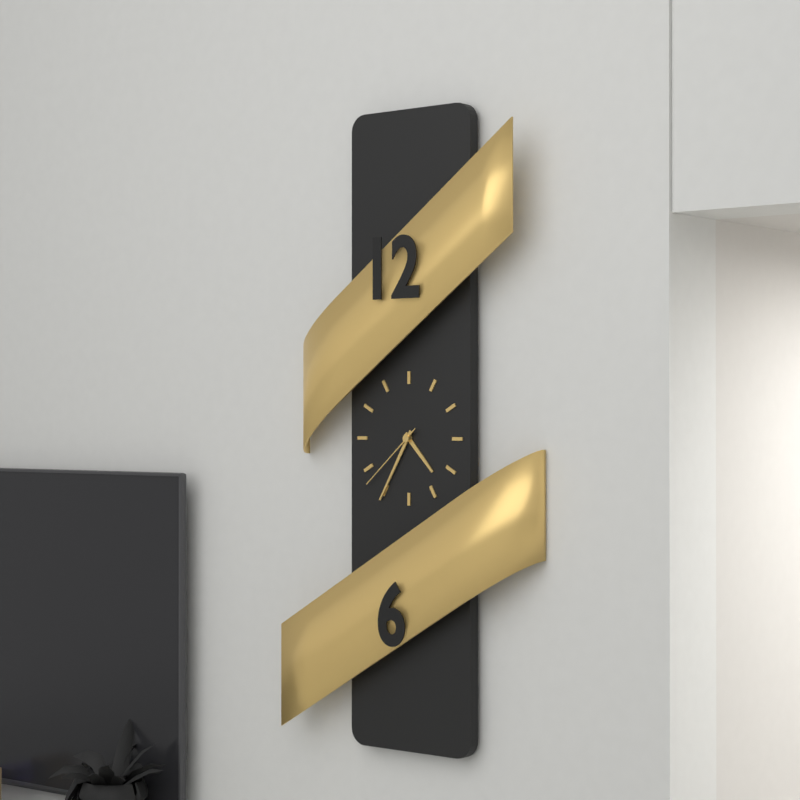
**4:35:38**
